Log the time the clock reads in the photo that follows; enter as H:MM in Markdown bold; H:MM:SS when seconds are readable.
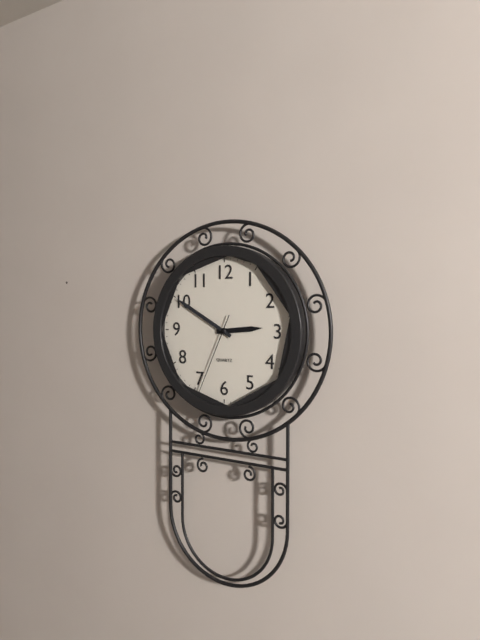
**2:50:34**
